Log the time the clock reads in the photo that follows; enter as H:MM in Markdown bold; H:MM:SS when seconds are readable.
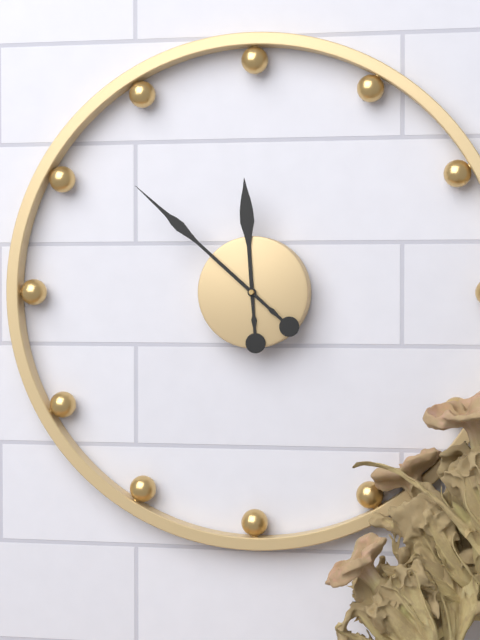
**11:52**
